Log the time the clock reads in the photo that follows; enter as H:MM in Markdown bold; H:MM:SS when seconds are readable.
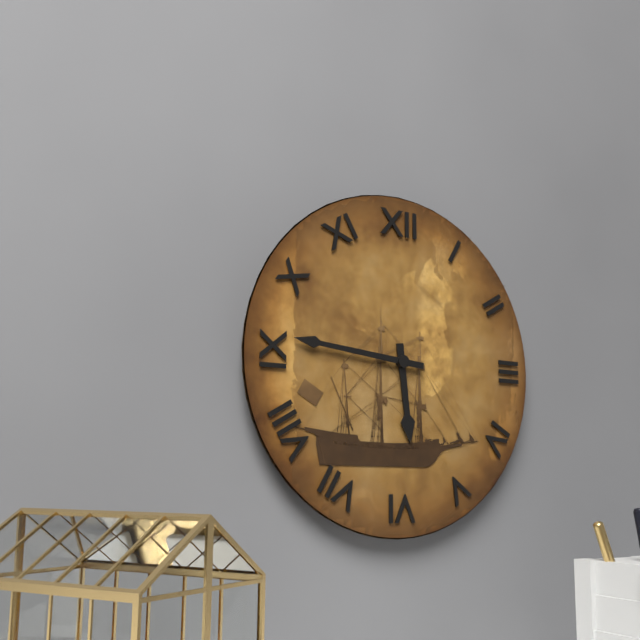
**5:46**
